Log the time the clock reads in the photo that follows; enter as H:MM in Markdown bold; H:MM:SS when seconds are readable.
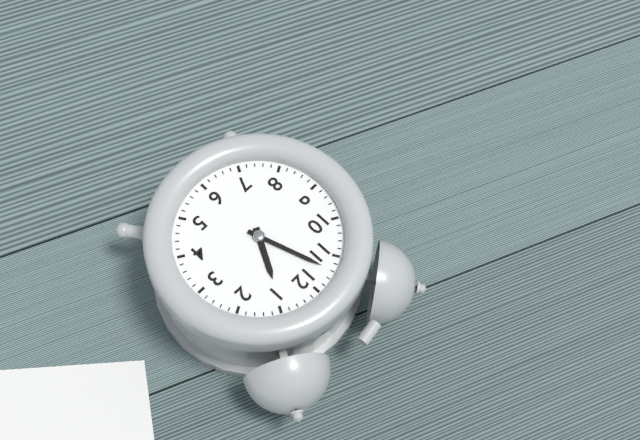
**12:57**
